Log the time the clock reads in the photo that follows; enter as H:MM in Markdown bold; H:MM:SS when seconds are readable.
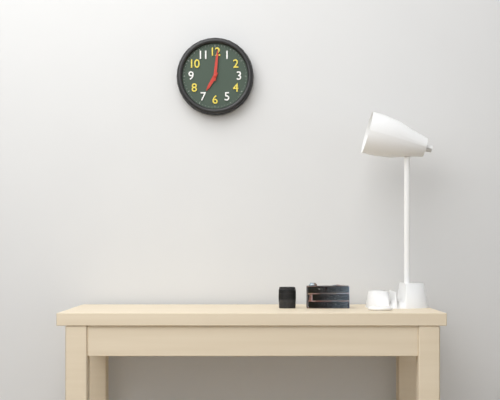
**7:01**
